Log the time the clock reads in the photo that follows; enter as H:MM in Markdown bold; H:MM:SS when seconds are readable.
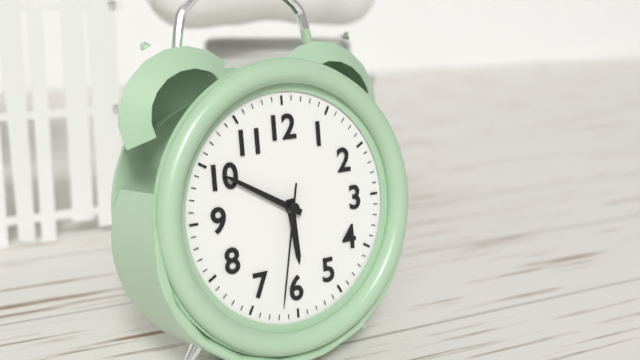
**5:50:32**
